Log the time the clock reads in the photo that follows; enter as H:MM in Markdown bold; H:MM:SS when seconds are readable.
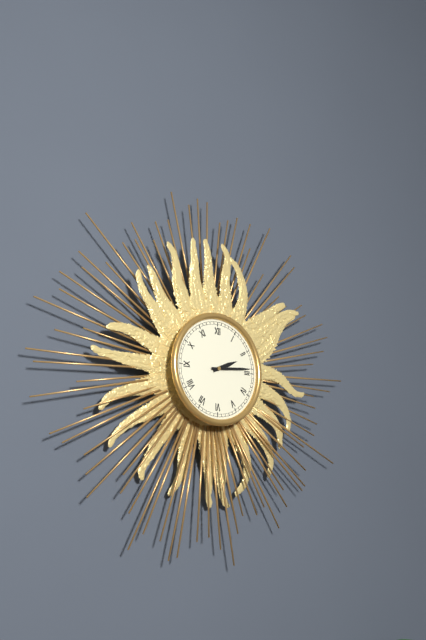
**2:14**
